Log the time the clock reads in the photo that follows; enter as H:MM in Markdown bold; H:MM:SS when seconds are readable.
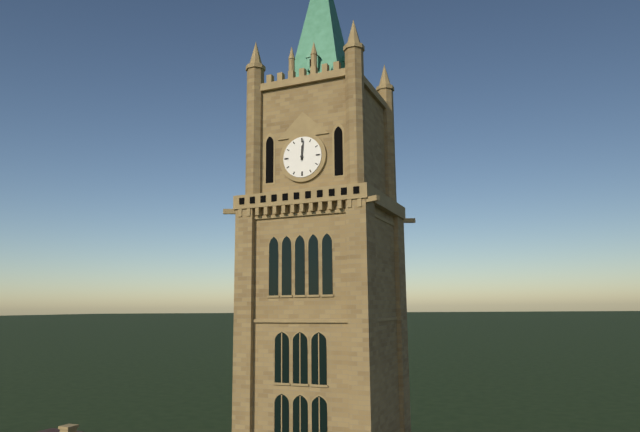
**12:01**
